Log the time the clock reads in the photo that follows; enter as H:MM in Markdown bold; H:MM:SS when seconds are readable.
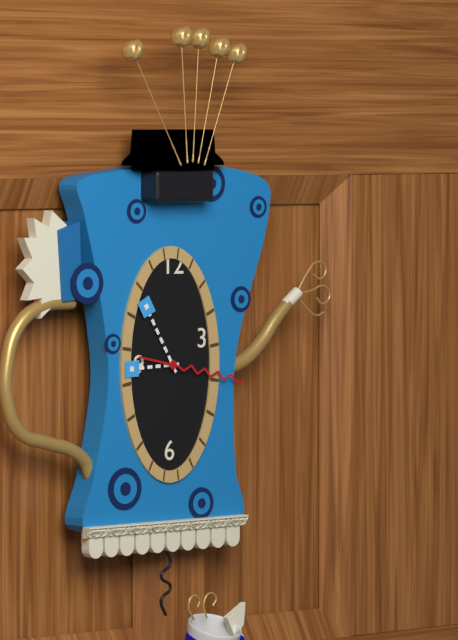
**8:55:17**
